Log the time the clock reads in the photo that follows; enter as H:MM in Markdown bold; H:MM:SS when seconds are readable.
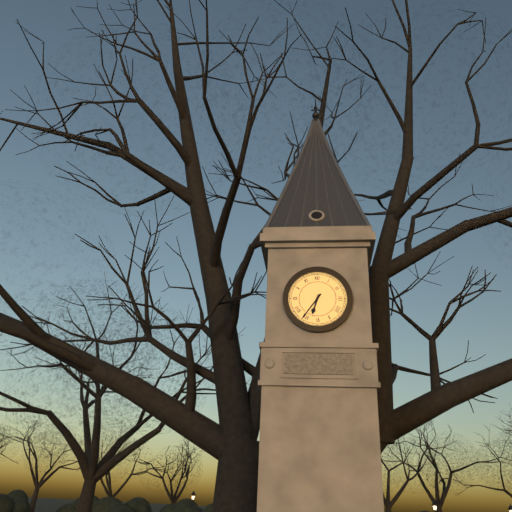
**6:36**
